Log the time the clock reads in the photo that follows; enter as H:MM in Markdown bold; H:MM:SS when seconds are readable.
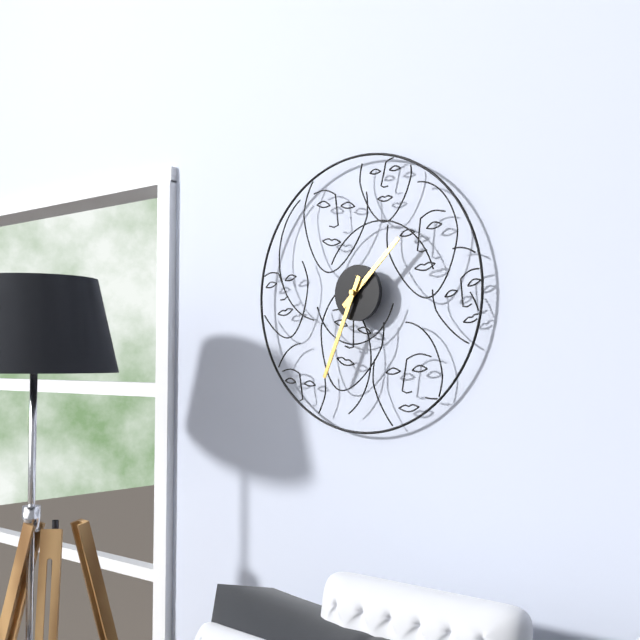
**1:34**
